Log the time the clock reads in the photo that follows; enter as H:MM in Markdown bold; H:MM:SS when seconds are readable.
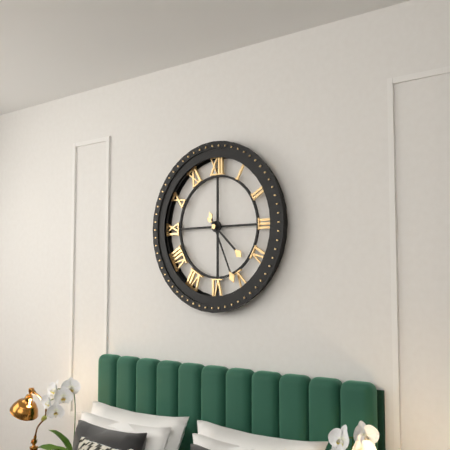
**4:26**
